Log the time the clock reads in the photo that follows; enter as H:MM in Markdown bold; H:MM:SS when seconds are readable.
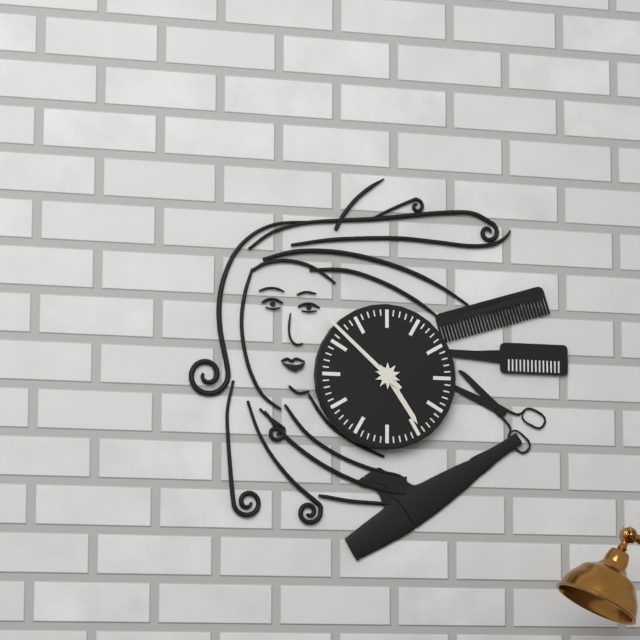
**4:52**
